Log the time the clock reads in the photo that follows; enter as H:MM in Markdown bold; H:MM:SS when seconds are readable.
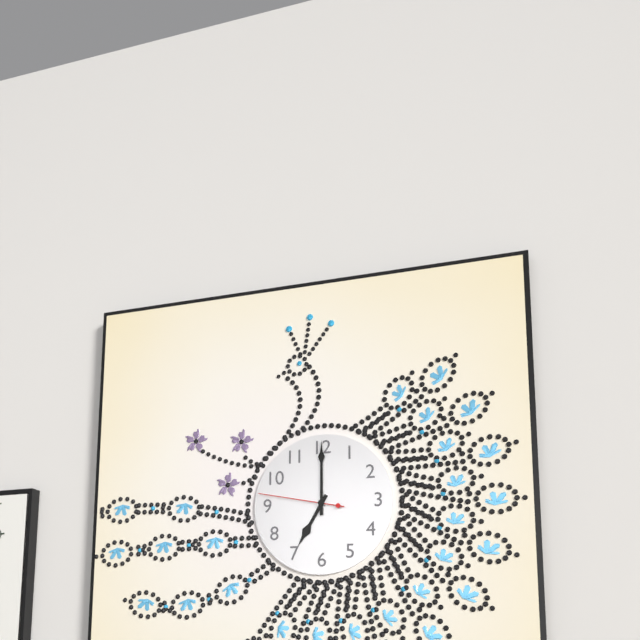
**7:00:47**
